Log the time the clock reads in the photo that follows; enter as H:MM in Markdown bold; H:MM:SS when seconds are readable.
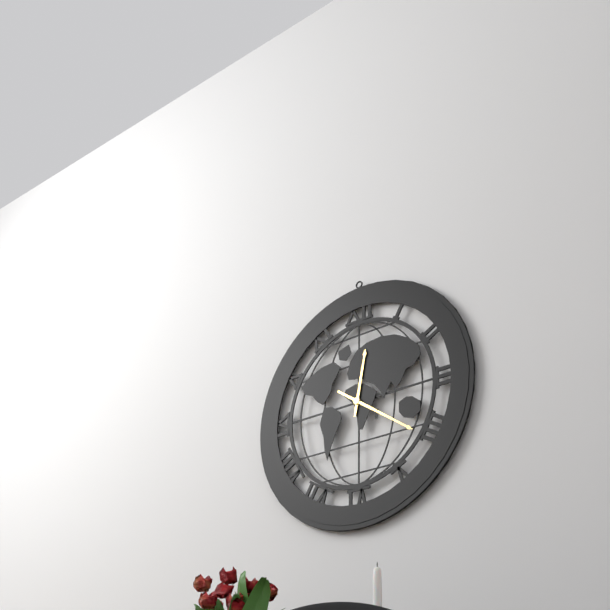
**12:21**
